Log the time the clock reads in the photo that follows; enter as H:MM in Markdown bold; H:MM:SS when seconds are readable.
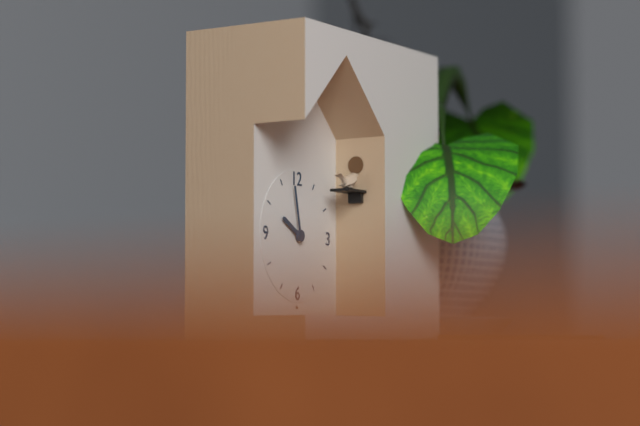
**9:58**
